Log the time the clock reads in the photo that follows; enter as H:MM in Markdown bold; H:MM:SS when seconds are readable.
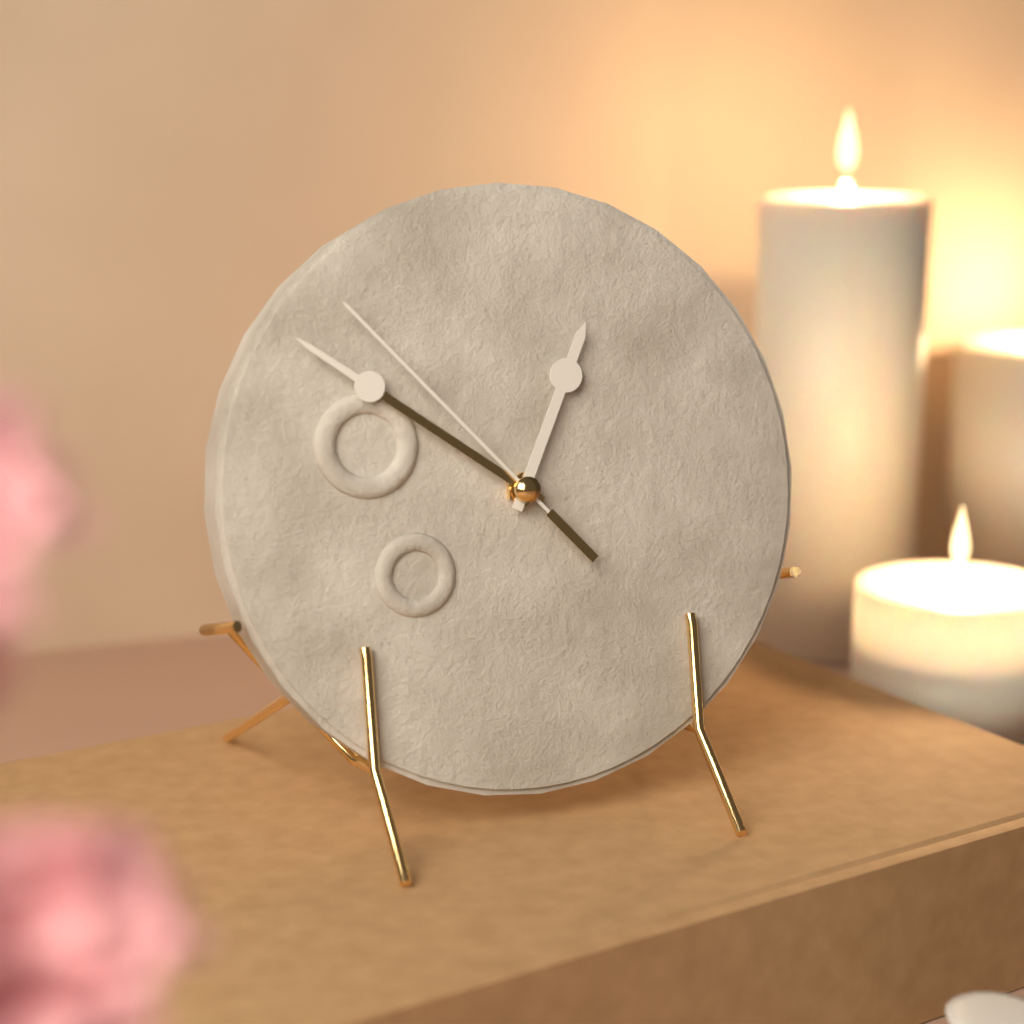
**12:51:53**
